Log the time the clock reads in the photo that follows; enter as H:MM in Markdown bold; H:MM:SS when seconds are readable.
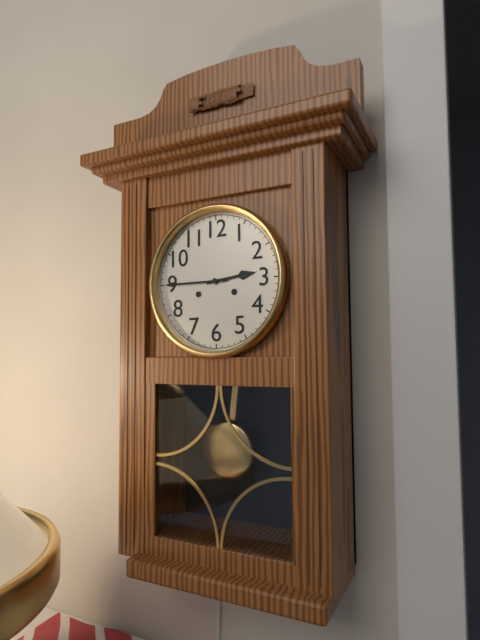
**2:45**
